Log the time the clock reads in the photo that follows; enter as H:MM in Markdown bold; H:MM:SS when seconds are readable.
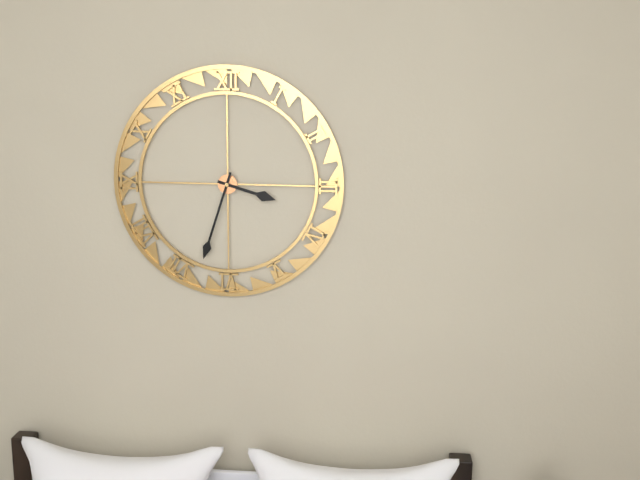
**3:33**
